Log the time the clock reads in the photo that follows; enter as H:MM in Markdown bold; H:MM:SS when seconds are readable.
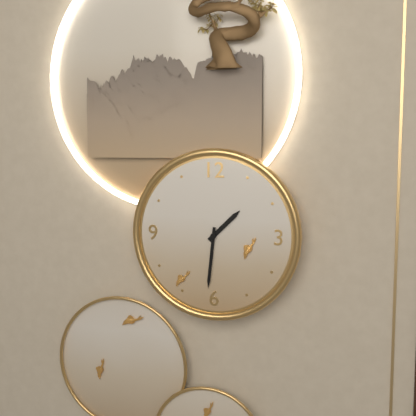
**1:31**
